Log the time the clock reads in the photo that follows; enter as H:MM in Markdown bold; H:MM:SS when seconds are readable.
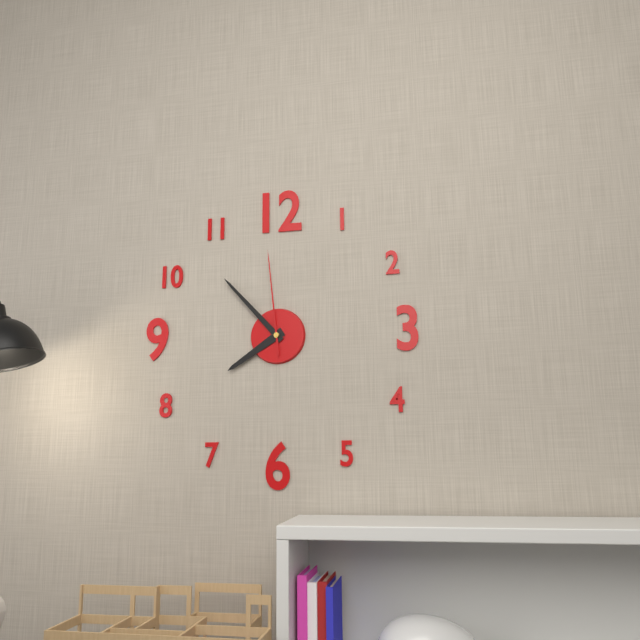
**7:53:59**
